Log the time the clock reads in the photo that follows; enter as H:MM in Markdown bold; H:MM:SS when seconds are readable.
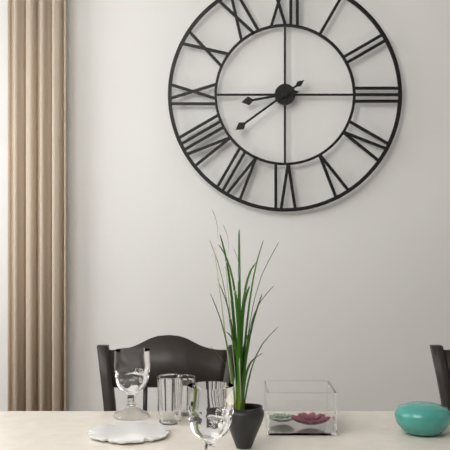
**8:39**
